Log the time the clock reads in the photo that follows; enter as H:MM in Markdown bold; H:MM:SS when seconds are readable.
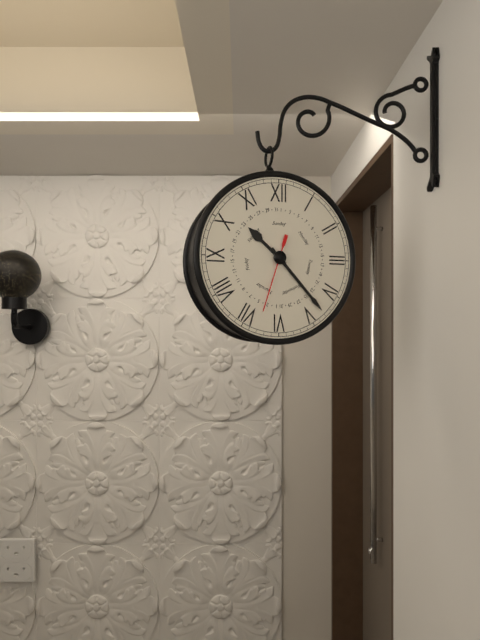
**10:23:33**
